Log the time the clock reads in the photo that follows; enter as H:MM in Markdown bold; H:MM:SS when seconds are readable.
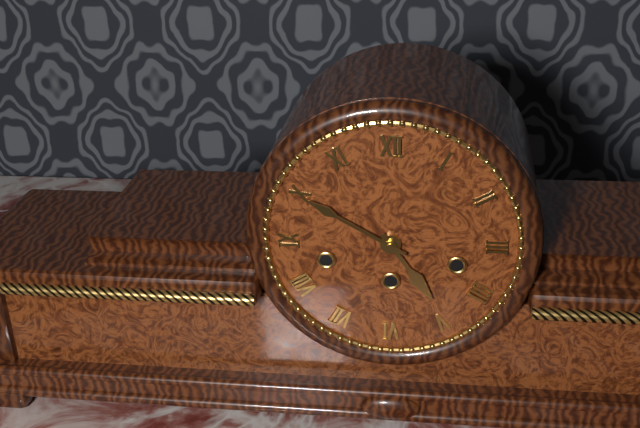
**4:50**
